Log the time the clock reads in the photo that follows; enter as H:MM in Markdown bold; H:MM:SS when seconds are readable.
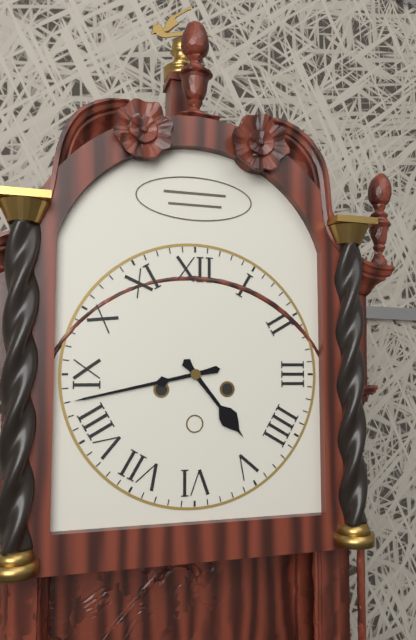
**4:43**
